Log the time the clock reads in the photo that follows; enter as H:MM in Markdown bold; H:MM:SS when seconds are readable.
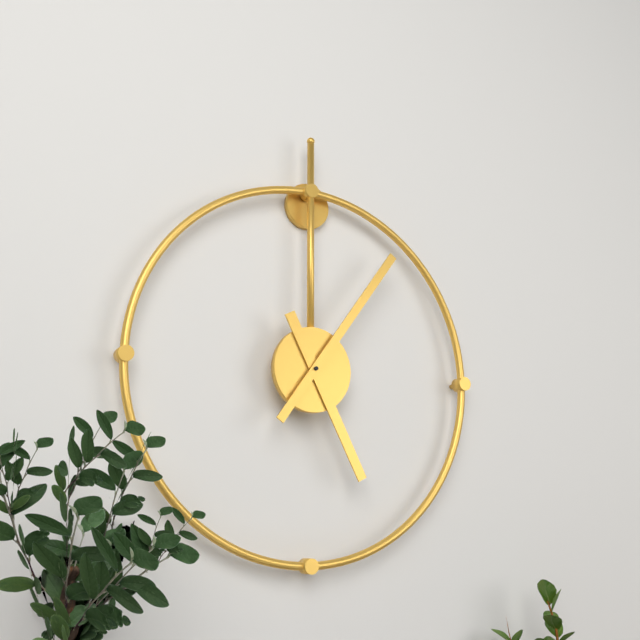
**5:06**
